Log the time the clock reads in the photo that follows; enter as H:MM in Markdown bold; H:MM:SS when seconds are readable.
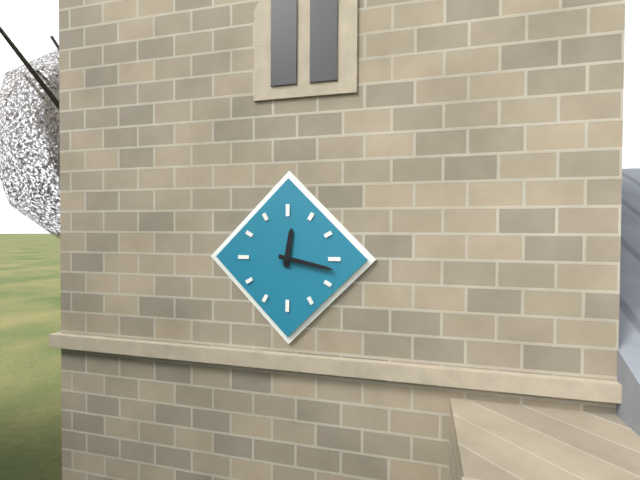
**12:17**
